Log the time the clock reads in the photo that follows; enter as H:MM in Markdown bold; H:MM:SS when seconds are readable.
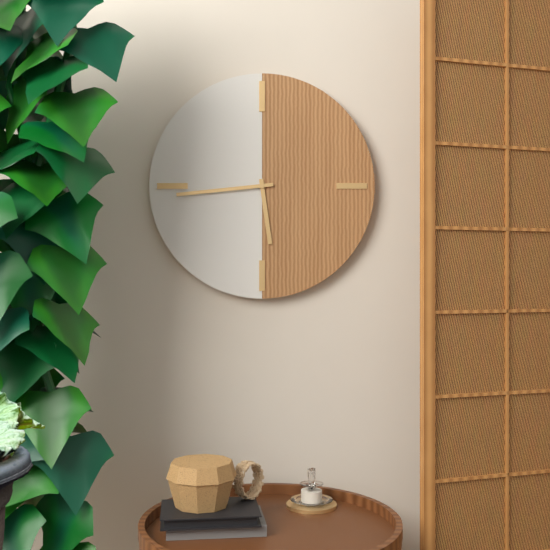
**5:44**
